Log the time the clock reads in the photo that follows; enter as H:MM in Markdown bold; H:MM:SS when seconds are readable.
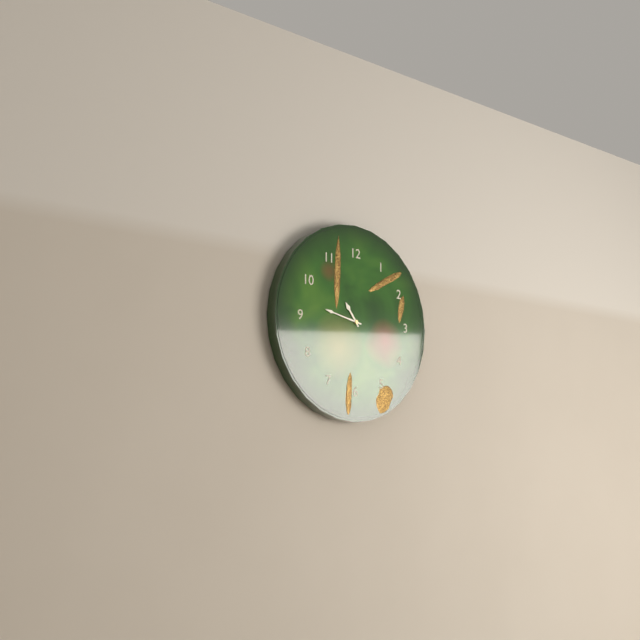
**10:47**
